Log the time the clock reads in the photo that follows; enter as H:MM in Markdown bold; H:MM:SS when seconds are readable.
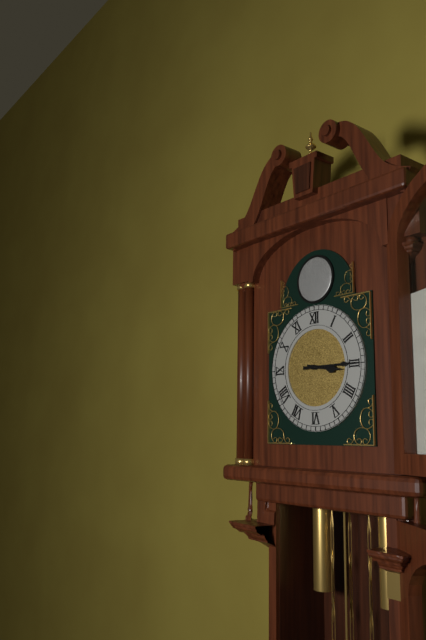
**3:15**
